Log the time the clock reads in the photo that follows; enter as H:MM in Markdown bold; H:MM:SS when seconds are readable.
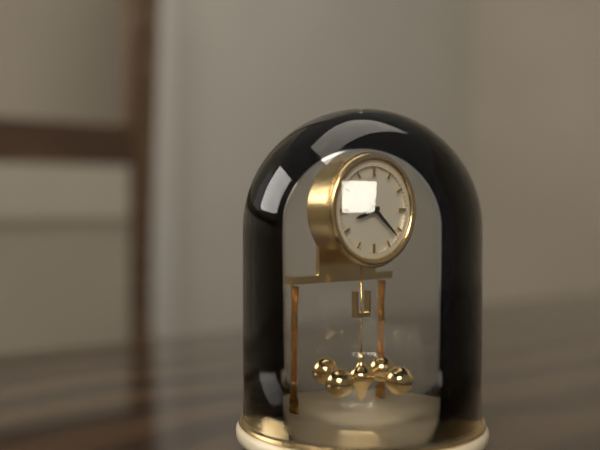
**8:22**
